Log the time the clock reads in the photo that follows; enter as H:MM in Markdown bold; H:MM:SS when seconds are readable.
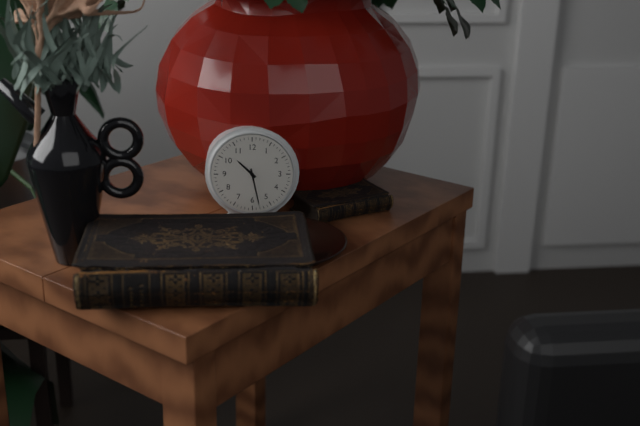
**10:28**
